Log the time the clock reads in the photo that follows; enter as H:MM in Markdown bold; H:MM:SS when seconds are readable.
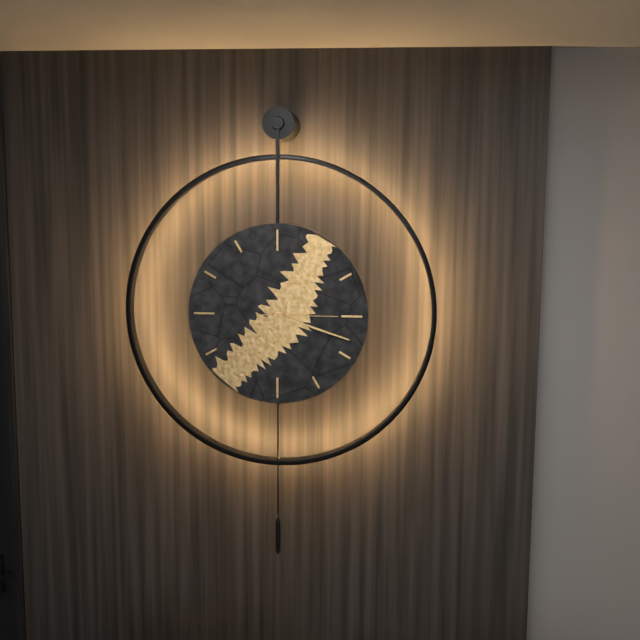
**7:18:15**
